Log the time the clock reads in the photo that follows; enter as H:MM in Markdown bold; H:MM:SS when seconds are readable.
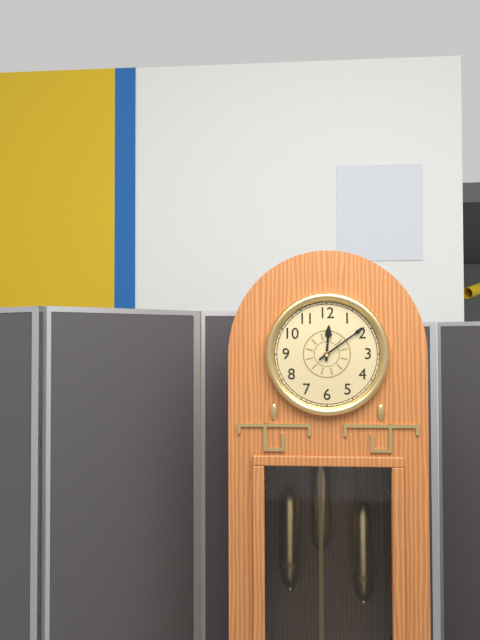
**12:09**
